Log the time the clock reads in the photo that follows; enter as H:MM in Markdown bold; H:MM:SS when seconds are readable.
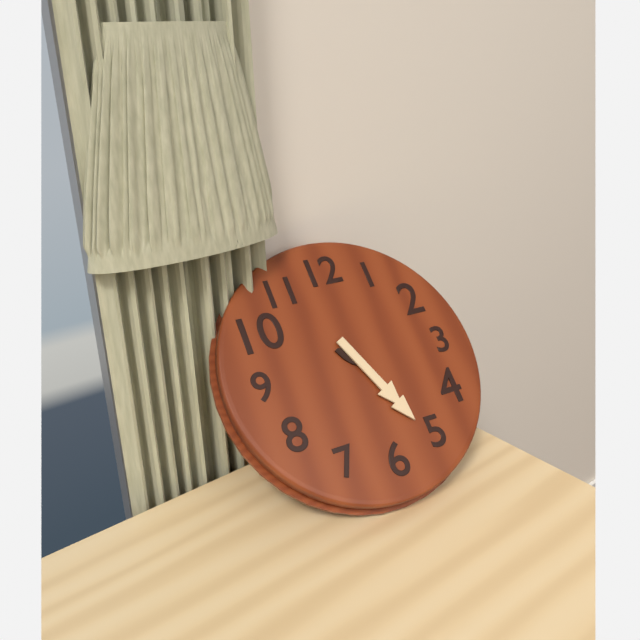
**10:26**
